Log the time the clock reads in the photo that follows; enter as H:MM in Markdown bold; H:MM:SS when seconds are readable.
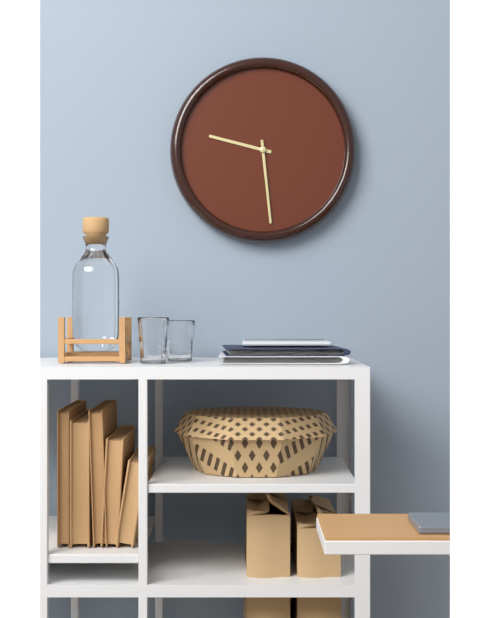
**9:29**
